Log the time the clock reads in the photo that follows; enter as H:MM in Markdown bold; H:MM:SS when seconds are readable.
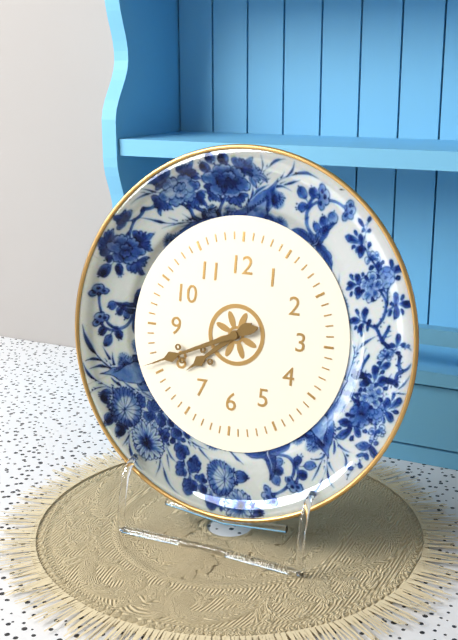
**7:41**
